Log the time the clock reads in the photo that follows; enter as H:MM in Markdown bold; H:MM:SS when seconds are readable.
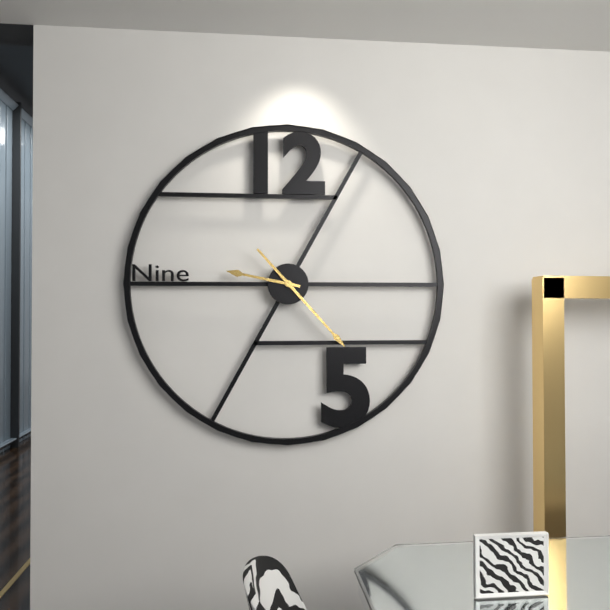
**9:23**
